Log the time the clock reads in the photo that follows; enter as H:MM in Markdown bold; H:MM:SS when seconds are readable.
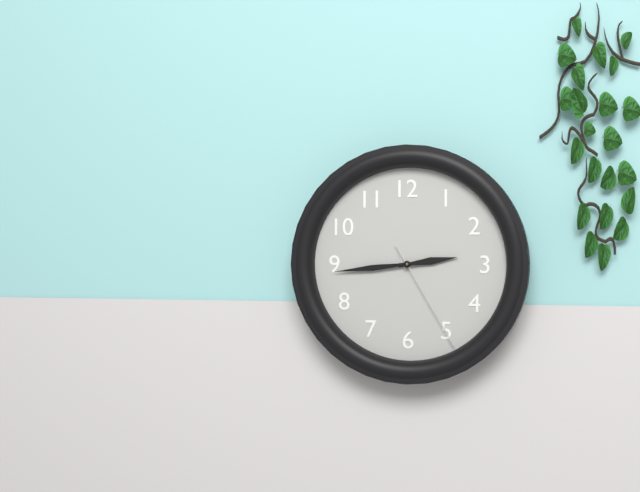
**2:44:25**
